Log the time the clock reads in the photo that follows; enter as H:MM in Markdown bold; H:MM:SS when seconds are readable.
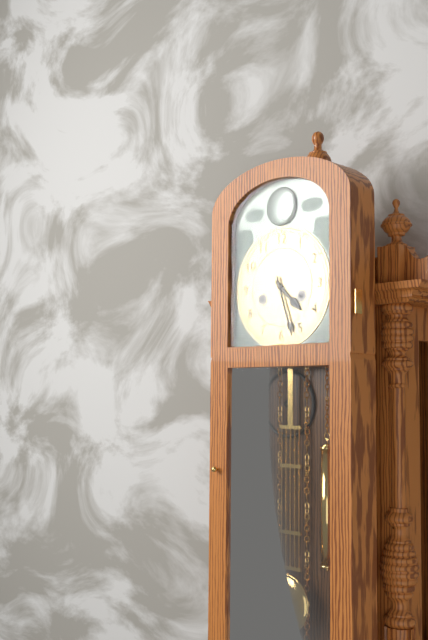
**4:27**
